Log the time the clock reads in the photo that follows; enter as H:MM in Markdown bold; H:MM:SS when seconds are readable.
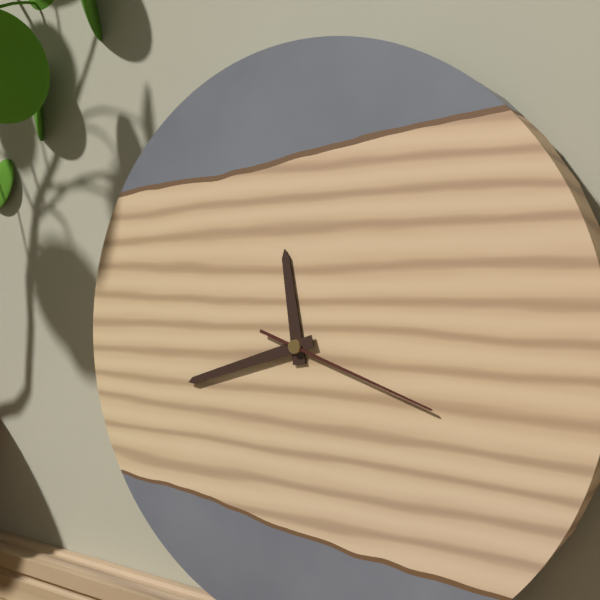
**11:42:18**
